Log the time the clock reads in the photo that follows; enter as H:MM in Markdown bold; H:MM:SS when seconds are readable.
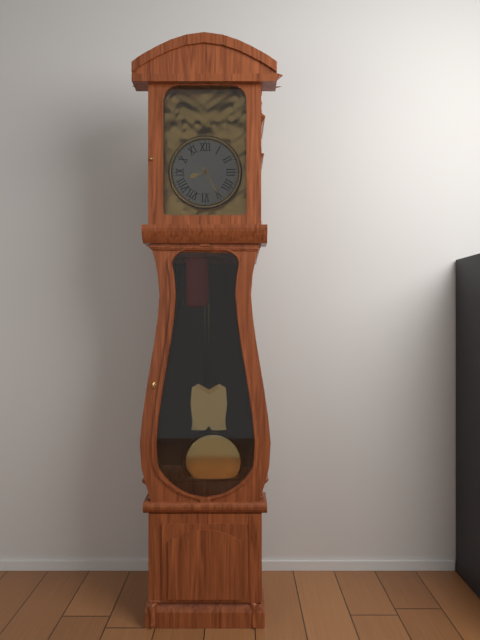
**8:25**
